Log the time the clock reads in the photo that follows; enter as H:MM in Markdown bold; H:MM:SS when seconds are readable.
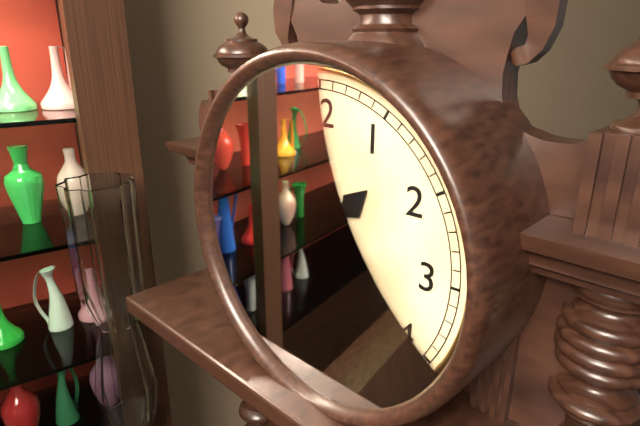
**1:26**
